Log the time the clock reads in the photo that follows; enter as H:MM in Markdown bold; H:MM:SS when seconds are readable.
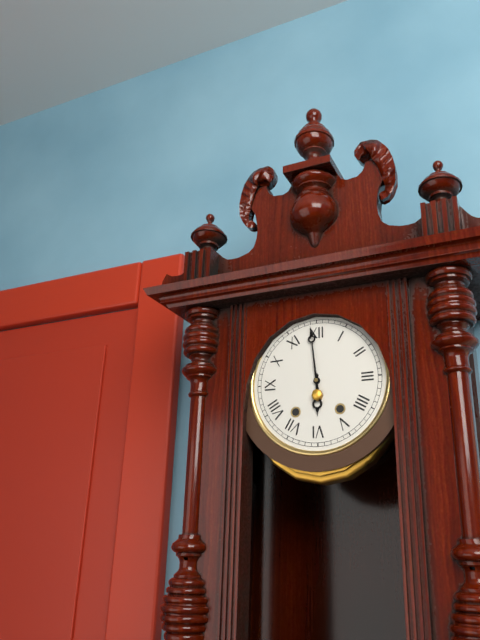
**5:59**
